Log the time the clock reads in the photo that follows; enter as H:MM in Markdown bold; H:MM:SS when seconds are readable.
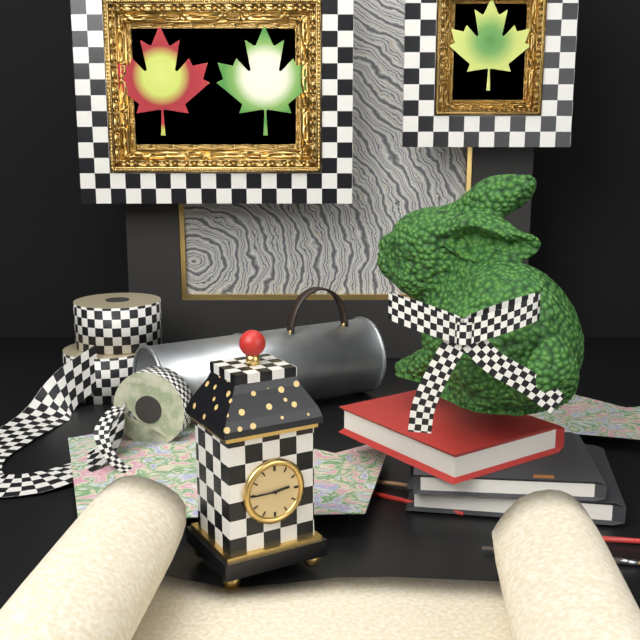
**2:45**
